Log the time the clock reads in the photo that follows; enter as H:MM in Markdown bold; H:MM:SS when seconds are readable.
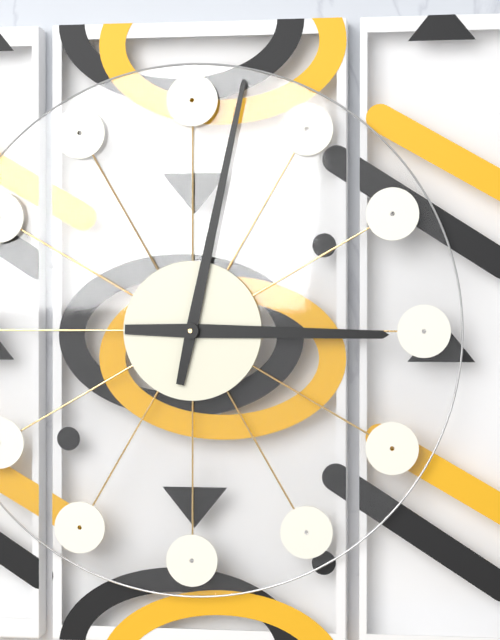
**3:02**
